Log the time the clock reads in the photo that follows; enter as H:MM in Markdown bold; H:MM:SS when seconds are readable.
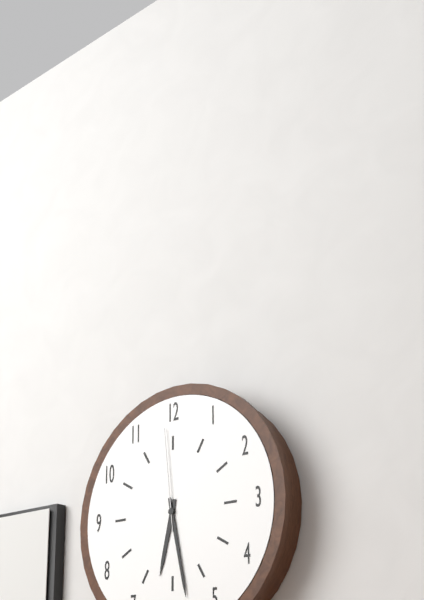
**6:28:59**
